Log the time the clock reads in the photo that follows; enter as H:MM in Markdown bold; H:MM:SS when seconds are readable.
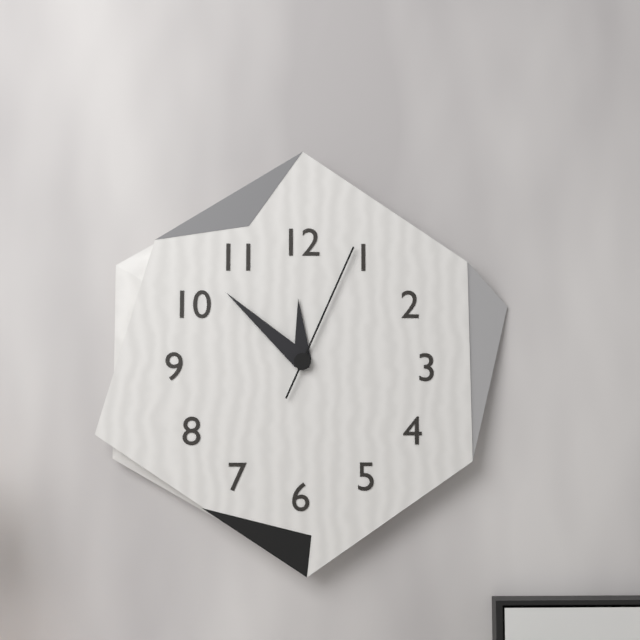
**11:52:04**
